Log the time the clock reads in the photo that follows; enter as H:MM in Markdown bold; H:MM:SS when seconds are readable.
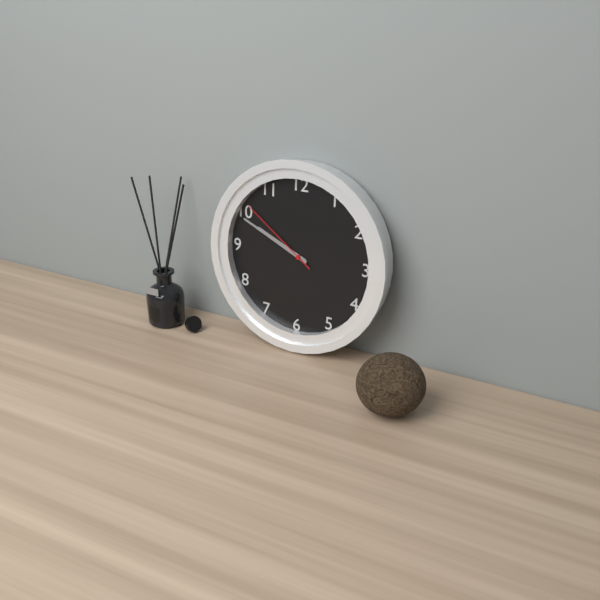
**9:49:51**
